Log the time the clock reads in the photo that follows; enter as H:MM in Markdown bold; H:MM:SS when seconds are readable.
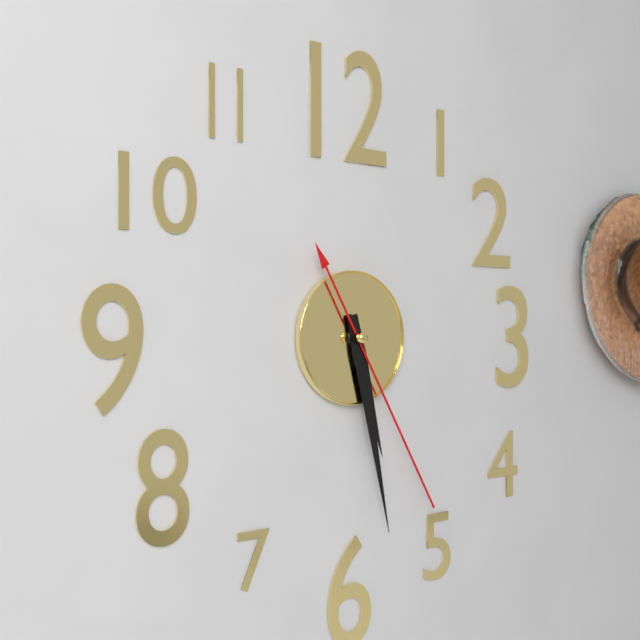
**5:28:25**
